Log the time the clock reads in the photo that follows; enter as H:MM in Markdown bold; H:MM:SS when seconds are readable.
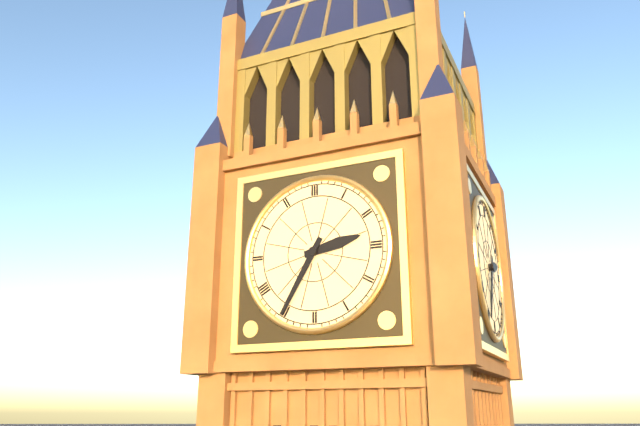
**2:35**
